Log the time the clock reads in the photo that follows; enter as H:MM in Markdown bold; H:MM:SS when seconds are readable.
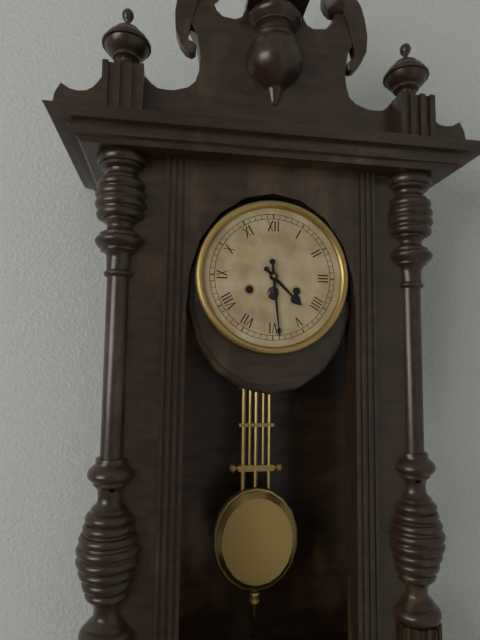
**4:29**
